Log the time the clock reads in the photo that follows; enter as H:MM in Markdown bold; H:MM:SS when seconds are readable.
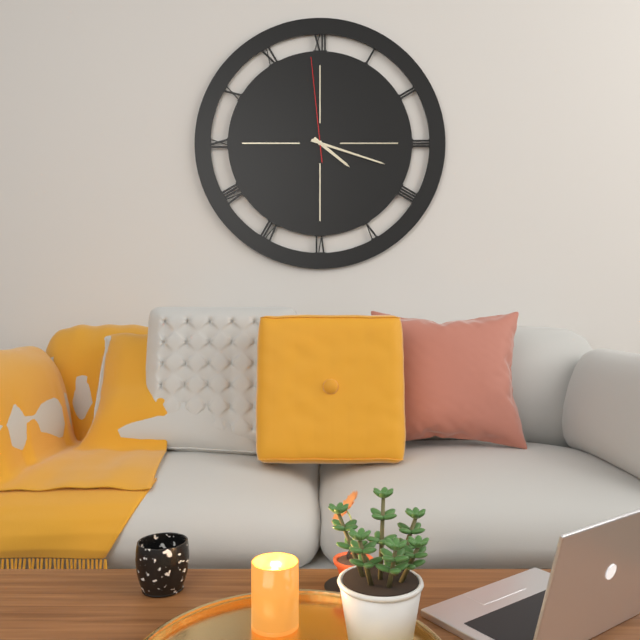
**4:18:59**
